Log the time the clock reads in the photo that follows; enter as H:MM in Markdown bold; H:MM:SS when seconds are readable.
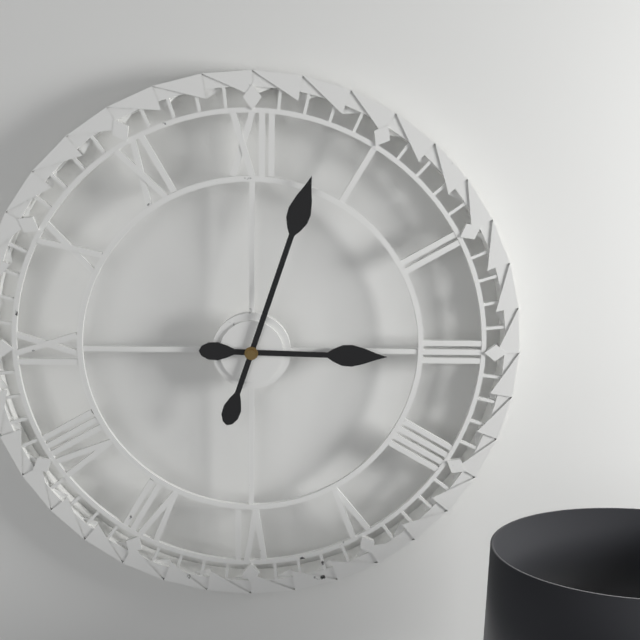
**3:03**
